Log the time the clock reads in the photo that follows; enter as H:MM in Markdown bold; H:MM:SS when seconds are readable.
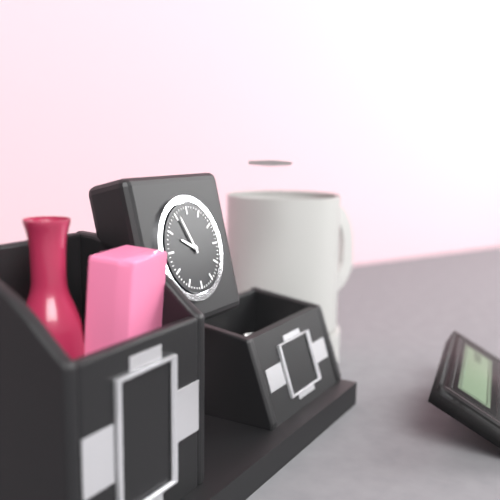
**9:56**
